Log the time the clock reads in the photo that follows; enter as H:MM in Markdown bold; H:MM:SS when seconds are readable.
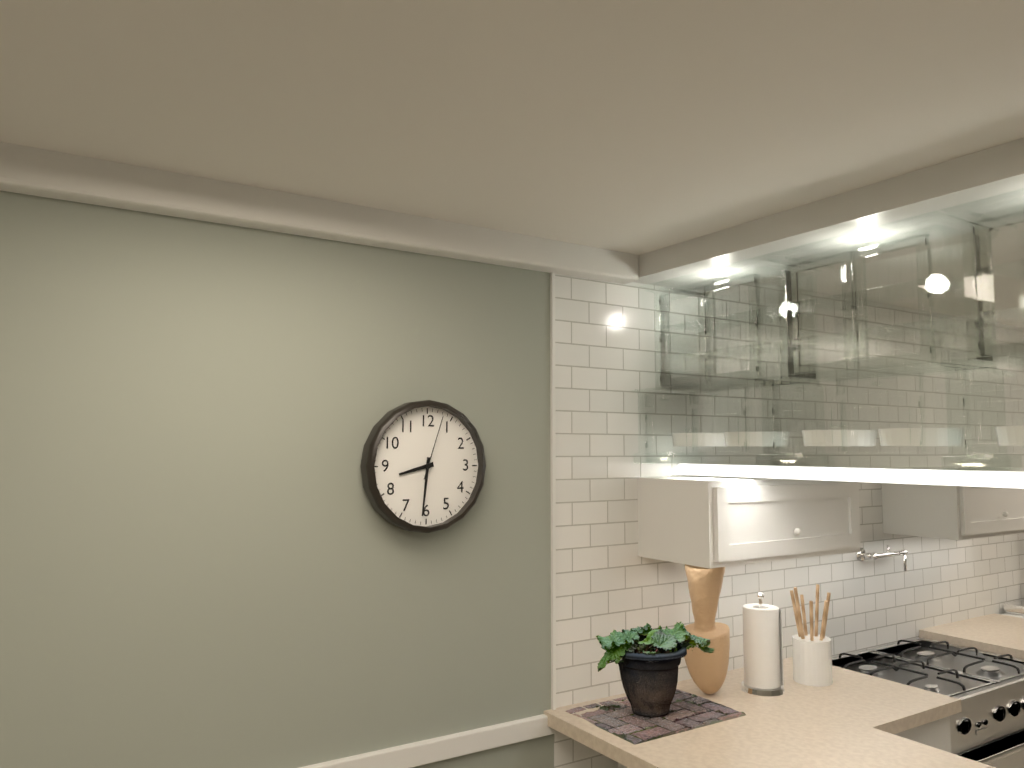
**8:31:03**
